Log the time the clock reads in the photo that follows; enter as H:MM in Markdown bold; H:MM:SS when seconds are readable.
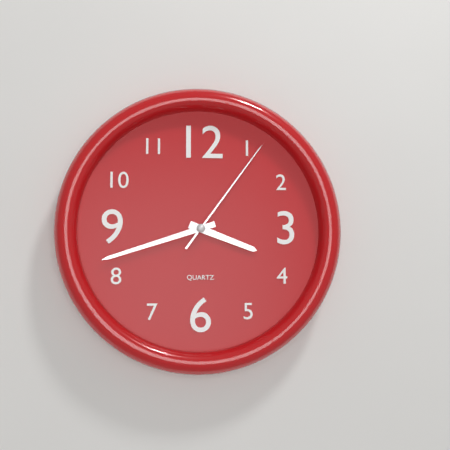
**3:42:06**
